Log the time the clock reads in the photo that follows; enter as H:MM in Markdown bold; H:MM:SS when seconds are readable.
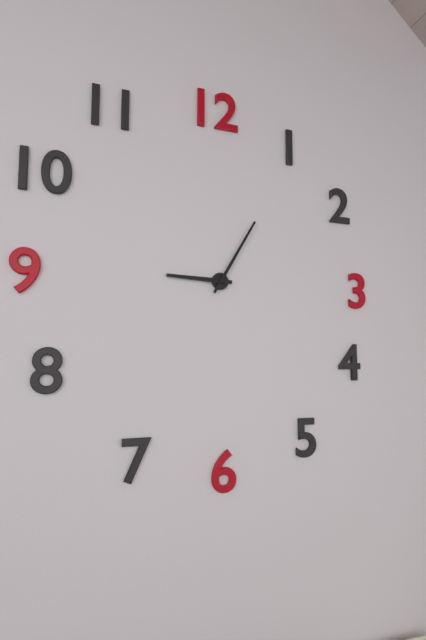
**9:05**
